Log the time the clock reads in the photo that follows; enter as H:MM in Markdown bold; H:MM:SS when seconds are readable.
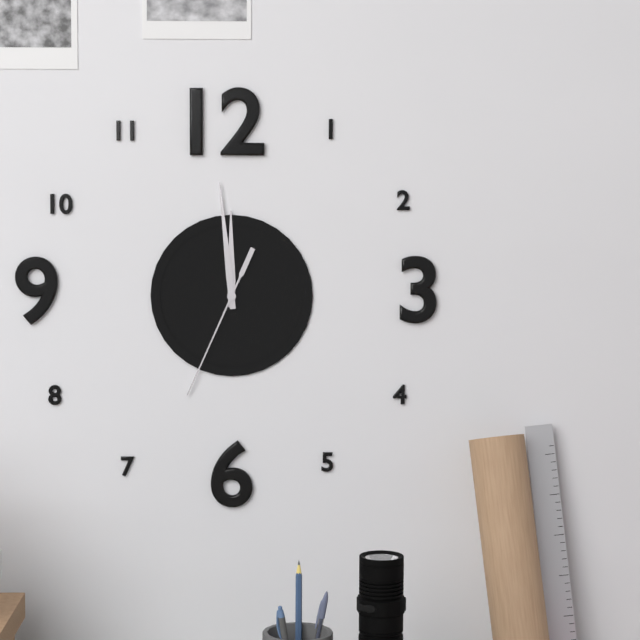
**11:59:34**
